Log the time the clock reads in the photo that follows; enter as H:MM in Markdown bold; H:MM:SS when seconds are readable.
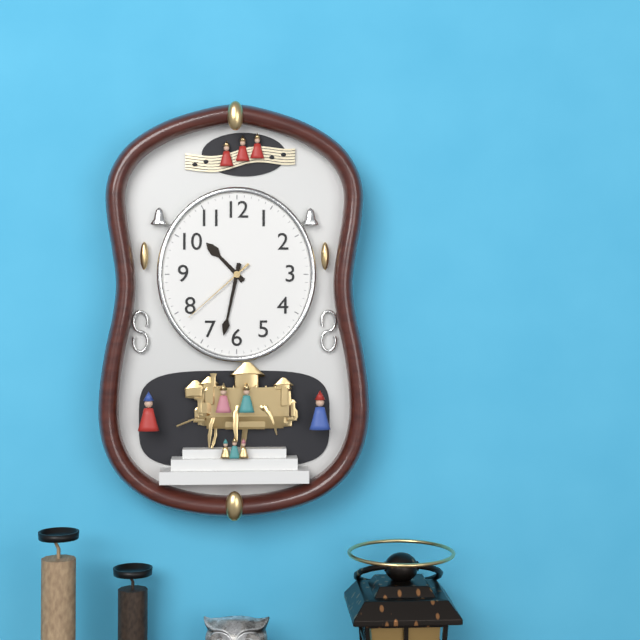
**10:32:38**
